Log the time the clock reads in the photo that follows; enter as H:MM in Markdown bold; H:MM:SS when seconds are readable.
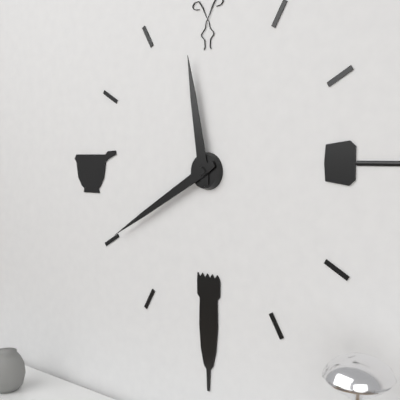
**11:40**
